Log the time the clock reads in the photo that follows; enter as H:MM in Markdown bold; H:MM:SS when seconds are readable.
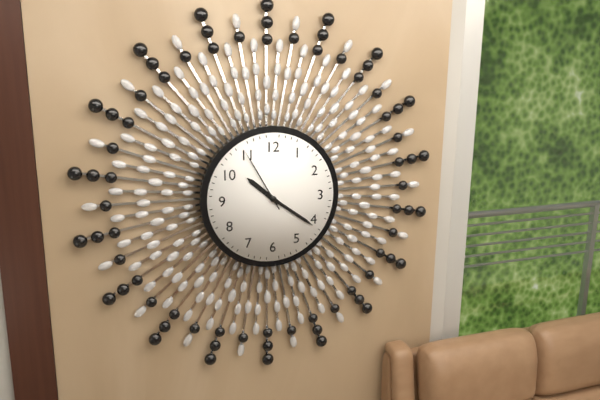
**10:21:55**
